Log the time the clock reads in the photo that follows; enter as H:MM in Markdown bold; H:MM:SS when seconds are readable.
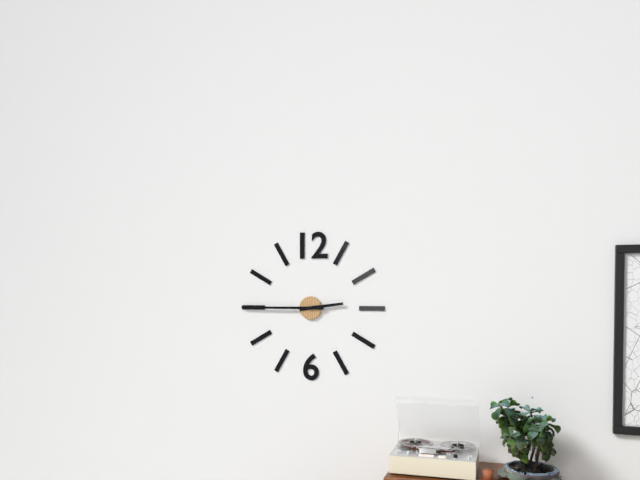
**2:45**
